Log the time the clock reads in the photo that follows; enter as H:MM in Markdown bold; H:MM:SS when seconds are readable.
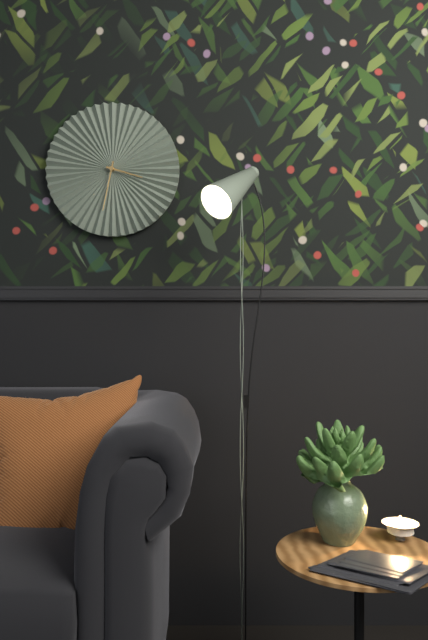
**3:32**
